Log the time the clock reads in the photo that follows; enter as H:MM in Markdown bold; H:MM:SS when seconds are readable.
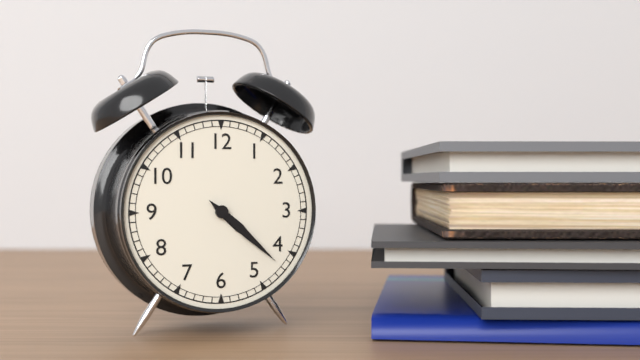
**4:22**
